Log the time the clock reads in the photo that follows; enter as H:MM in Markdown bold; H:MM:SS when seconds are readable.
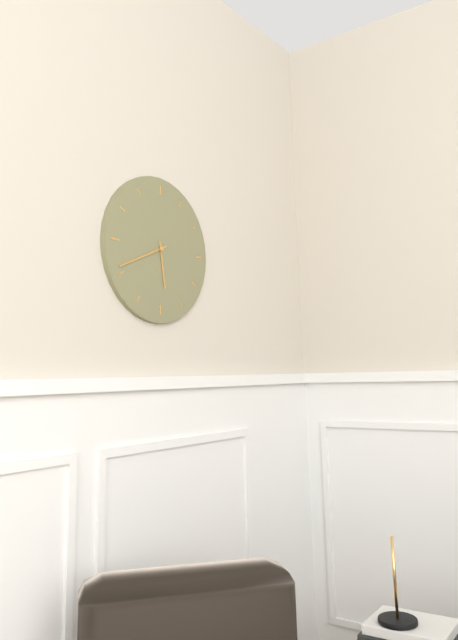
**5:41**
